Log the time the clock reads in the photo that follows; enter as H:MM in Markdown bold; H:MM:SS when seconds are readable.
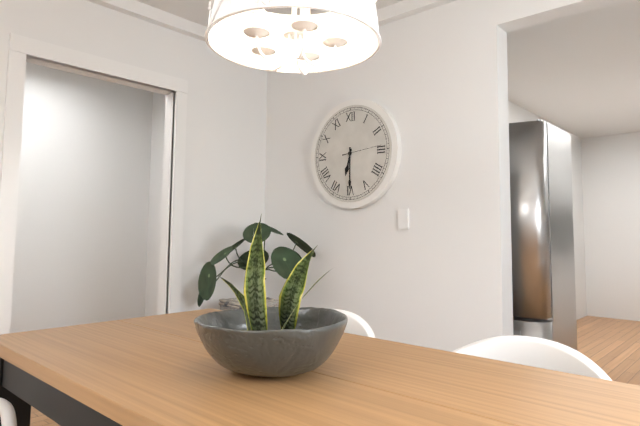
**6:30**
